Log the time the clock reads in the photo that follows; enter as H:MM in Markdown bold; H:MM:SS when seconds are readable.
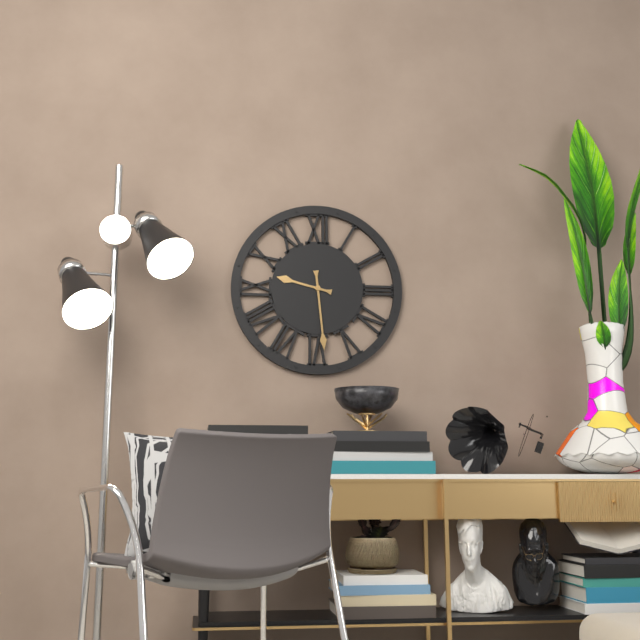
**9:29**
